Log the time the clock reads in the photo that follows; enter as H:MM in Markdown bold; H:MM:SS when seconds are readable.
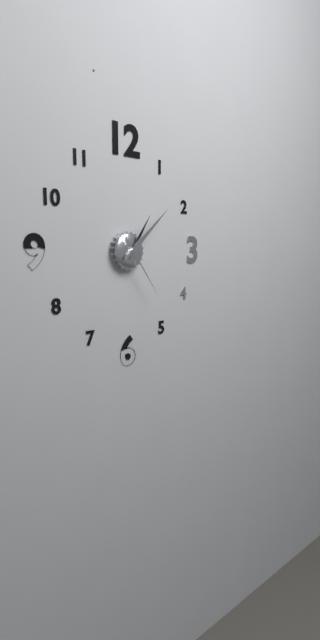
**1:08:24**
